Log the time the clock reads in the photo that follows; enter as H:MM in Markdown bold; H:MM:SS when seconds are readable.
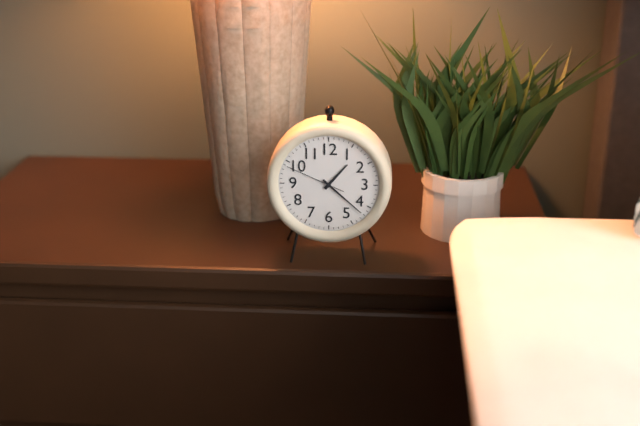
**1:22:49**
